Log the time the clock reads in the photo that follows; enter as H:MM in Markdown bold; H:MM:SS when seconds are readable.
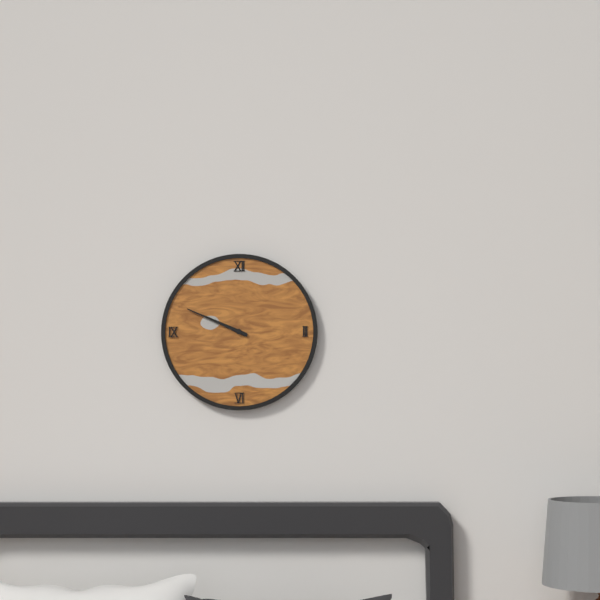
**9:49**
